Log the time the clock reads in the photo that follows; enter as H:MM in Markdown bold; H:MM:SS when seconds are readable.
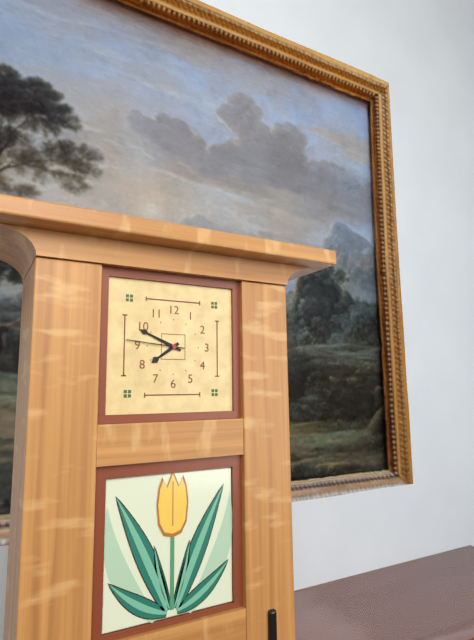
**7:49:46**
